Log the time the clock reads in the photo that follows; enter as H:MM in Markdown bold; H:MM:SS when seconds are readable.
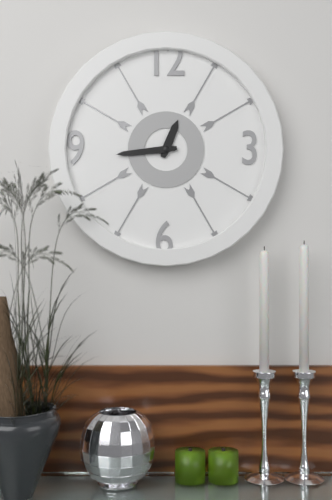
**12:44**
